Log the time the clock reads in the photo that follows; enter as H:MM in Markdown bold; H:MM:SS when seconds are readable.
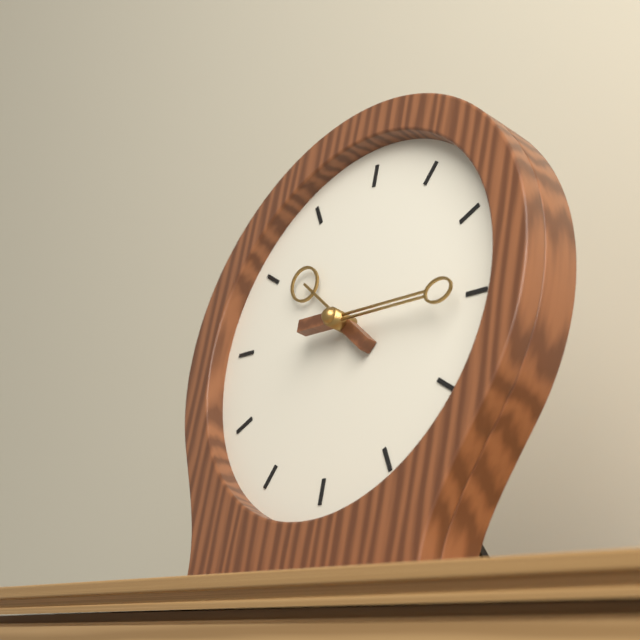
**10:15**
